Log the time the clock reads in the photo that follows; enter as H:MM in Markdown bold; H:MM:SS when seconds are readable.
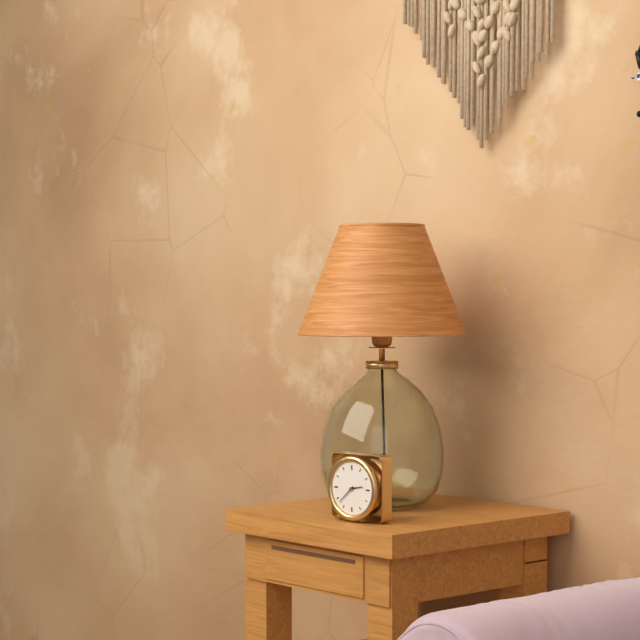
**2:38**
